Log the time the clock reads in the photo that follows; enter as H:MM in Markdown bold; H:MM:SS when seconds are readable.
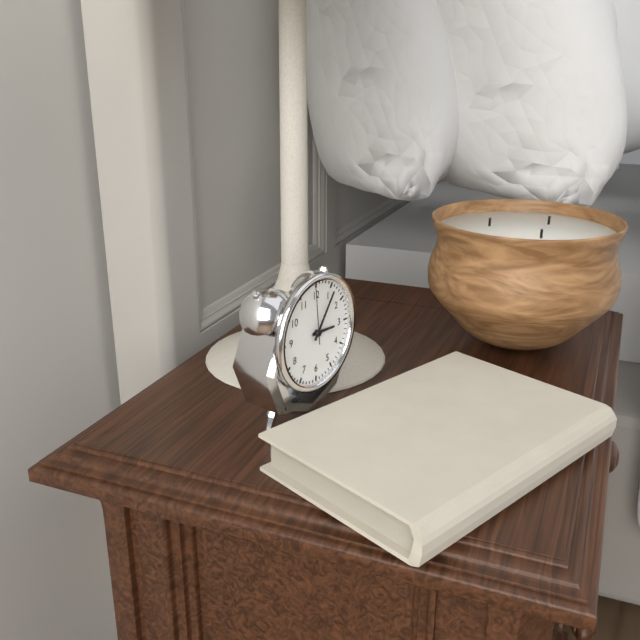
**3:06:59**
